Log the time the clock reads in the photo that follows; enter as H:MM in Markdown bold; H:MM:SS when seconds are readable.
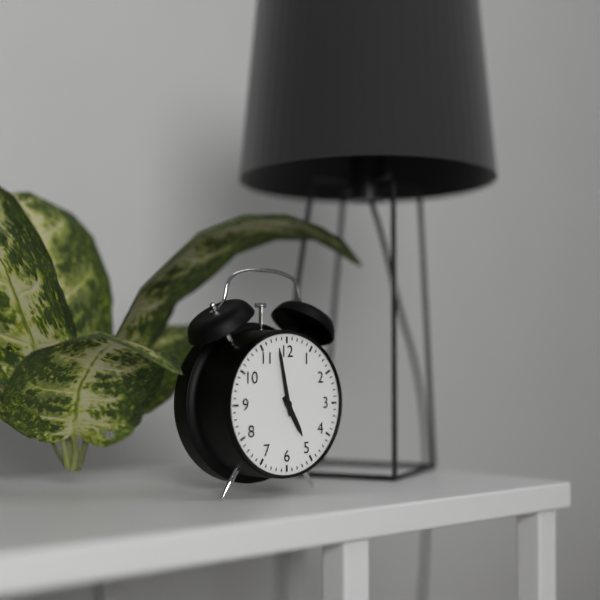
**4:58**
